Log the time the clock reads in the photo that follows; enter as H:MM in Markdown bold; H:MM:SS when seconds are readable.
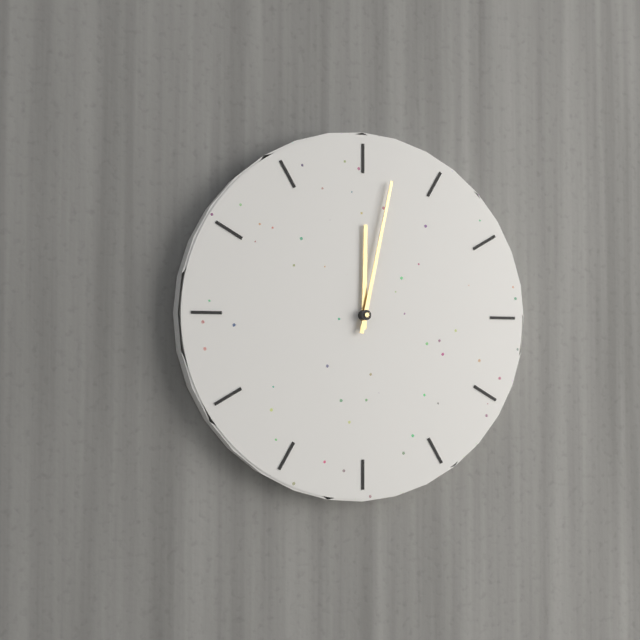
**12:02**
